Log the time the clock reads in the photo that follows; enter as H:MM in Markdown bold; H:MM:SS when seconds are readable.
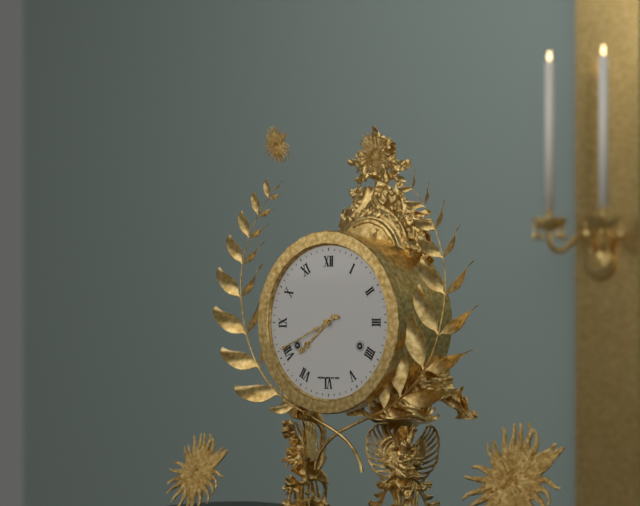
**7:41**
